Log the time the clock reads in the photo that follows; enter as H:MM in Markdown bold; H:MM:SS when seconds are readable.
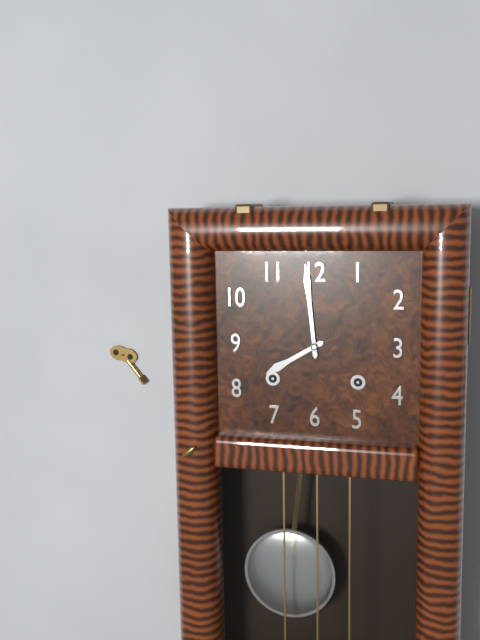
**7:59**
